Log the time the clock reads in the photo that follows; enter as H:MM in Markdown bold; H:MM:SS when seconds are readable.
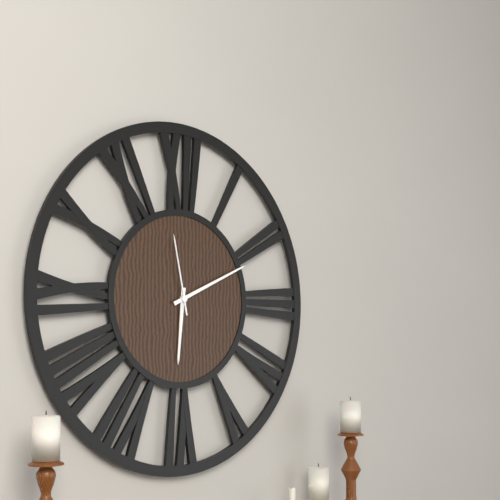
**6:11:58**
